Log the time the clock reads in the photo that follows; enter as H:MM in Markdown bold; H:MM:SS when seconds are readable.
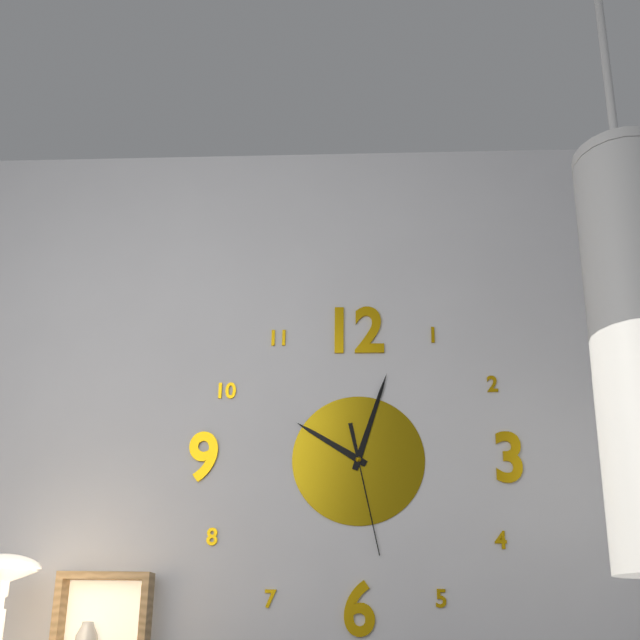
**10:03:28**
